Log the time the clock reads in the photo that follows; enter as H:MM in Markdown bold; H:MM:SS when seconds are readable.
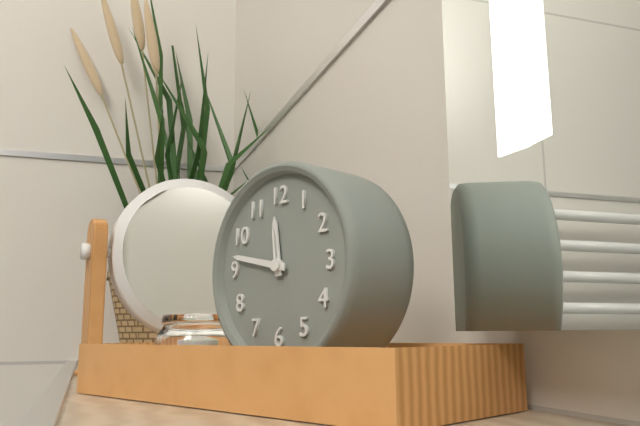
**11:47**
